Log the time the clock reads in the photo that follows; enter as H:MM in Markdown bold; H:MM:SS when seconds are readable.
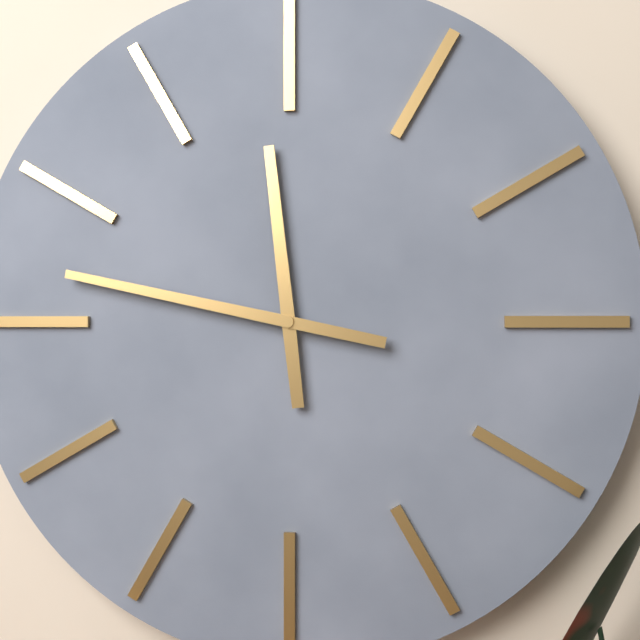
**11:47**
